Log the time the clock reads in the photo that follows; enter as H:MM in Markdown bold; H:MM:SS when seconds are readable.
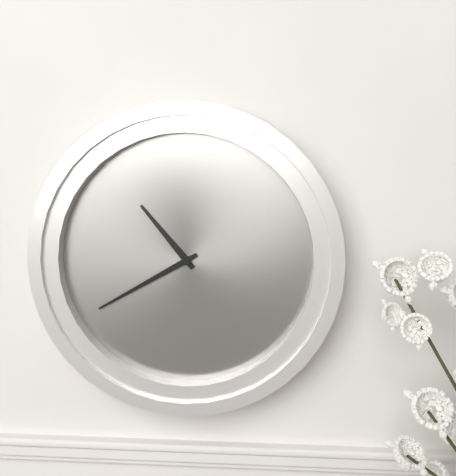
**10:40**
